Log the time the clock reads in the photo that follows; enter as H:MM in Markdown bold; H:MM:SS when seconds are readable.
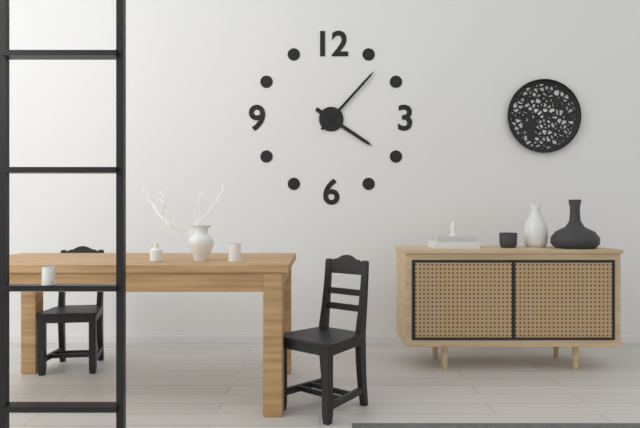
**4:07**
